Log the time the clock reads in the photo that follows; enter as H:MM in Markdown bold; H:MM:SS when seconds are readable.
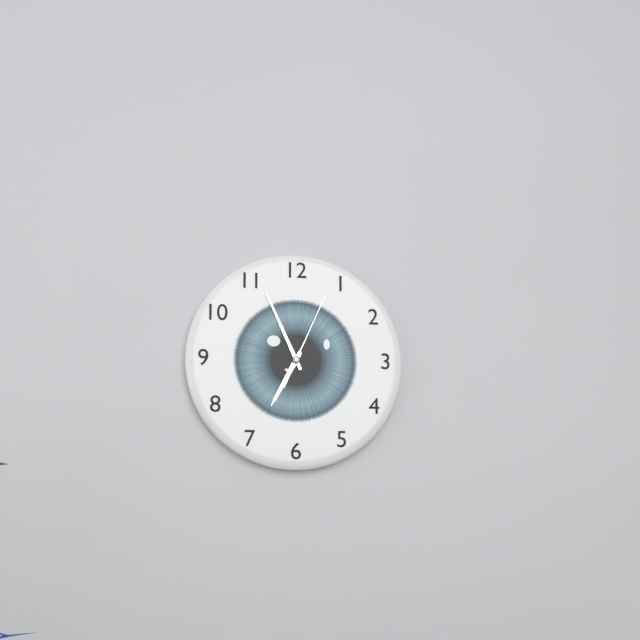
**6:56:04**
